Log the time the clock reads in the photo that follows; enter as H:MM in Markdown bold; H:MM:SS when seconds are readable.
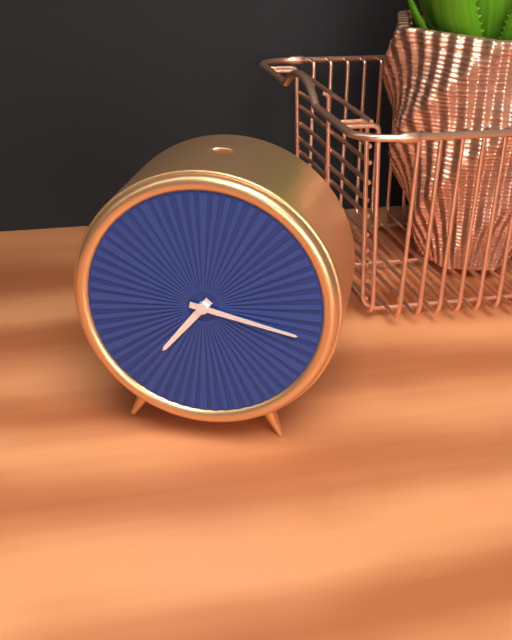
**7:17**
